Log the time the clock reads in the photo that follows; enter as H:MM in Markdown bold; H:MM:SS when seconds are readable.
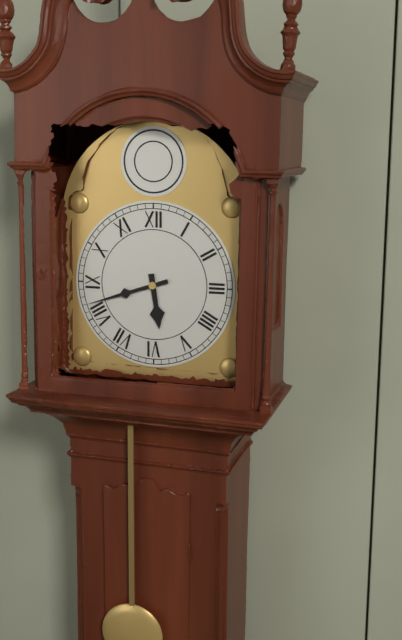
**5:42**
